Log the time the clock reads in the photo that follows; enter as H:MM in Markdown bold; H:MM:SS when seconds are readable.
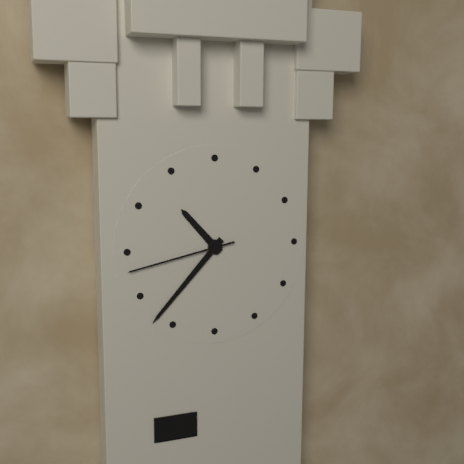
**10:37:43**
